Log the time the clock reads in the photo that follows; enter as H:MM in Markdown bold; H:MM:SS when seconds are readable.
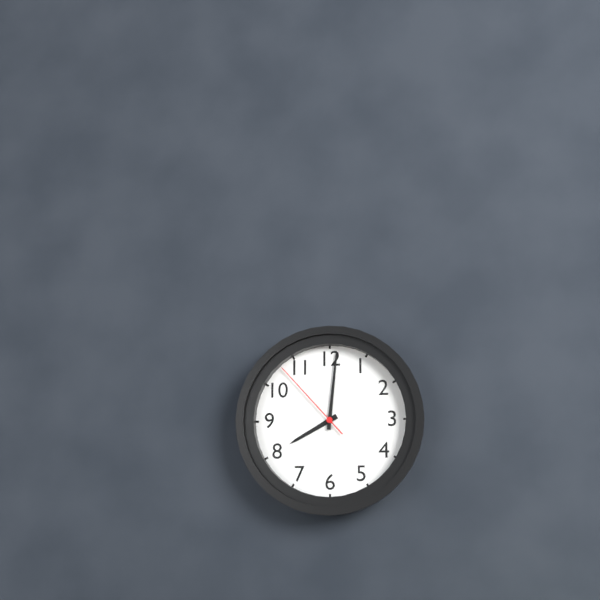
**8:01:53**
